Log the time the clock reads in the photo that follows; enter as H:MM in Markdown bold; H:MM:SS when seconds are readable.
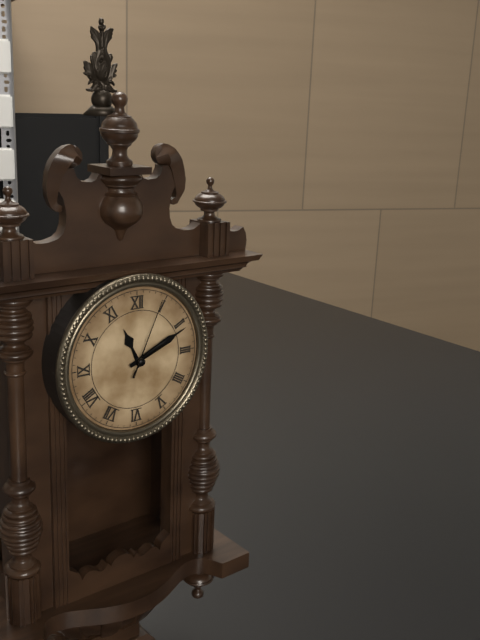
**11:11:04**
